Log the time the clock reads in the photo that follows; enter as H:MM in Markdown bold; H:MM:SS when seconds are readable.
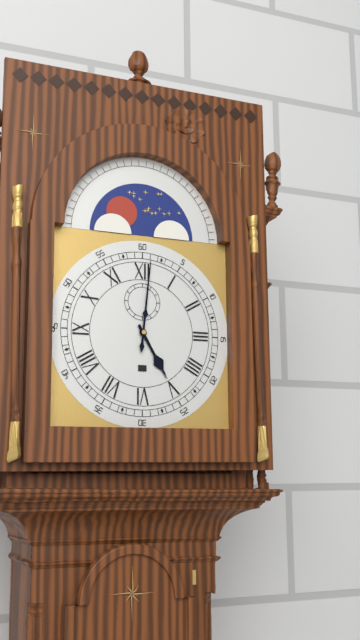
**5:01**
